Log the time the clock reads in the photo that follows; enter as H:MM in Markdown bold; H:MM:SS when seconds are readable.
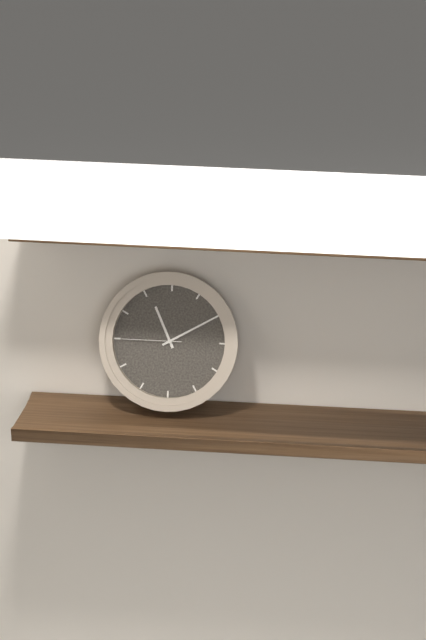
**11:10:45**
